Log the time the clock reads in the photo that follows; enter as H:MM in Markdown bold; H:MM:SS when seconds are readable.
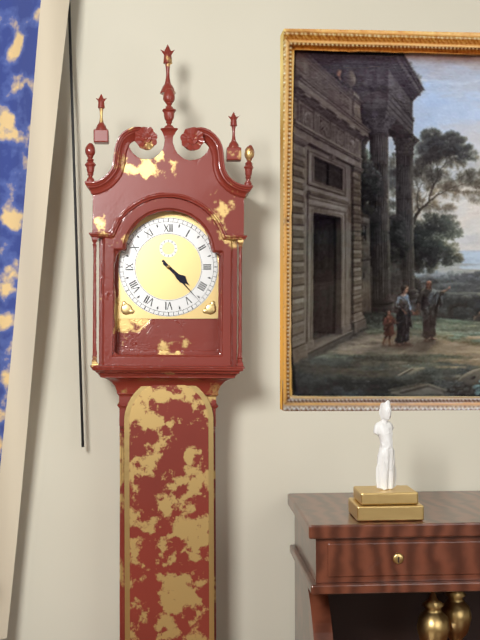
**4:23**
